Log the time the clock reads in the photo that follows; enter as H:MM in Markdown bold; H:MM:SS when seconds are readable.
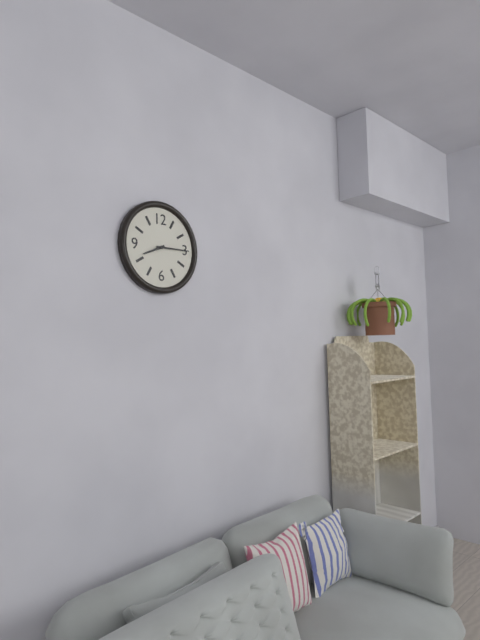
**8:15**
